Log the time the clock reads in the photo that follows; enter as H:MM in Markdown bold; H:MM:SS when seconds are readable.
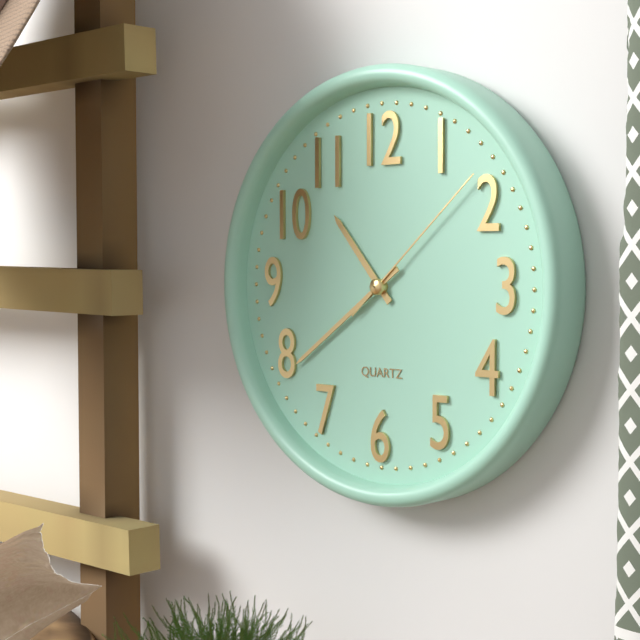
**10:39:08**
